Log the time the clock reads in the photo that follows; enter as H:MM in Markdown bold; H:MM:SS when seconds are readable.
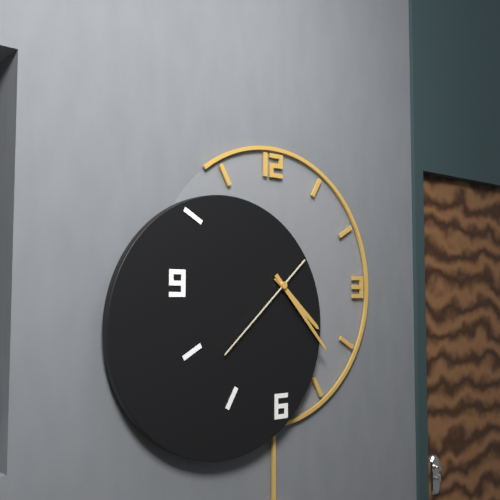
**4:23:38**
